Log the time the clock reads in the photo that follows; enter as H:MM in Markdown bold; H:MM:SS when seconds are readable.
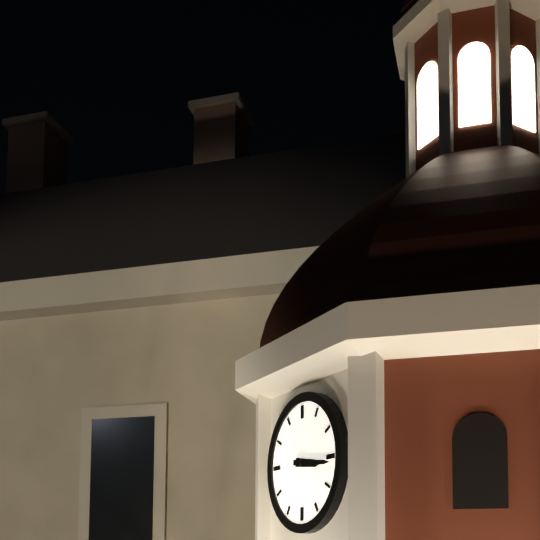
**3:16**
